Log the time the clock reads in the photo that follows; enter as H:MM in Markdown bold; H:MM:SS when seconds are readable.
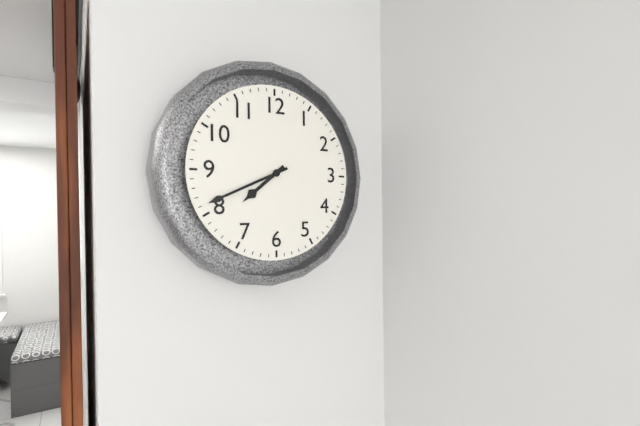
**7:41**
